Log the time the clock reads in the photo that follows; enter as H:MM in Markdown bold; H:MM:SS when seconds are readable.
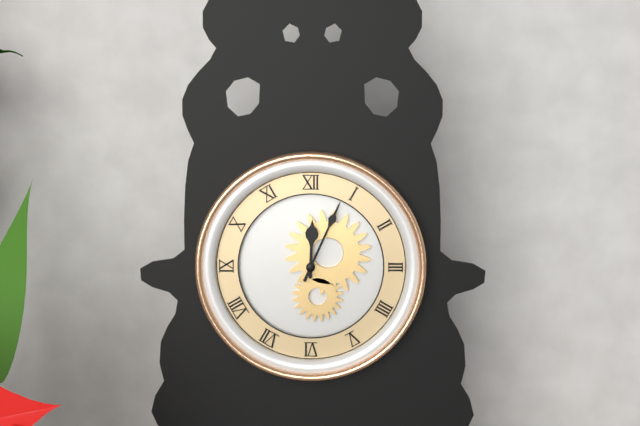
**12:04**
